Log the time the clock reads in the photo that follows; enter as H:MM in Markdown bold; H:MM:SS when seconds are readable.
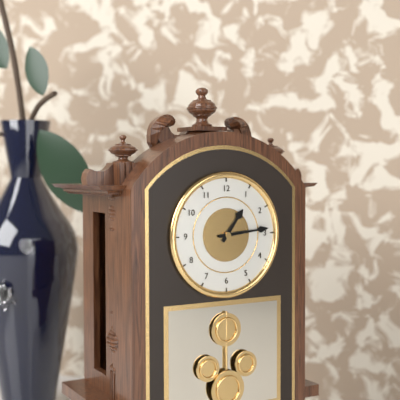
**1:14**
